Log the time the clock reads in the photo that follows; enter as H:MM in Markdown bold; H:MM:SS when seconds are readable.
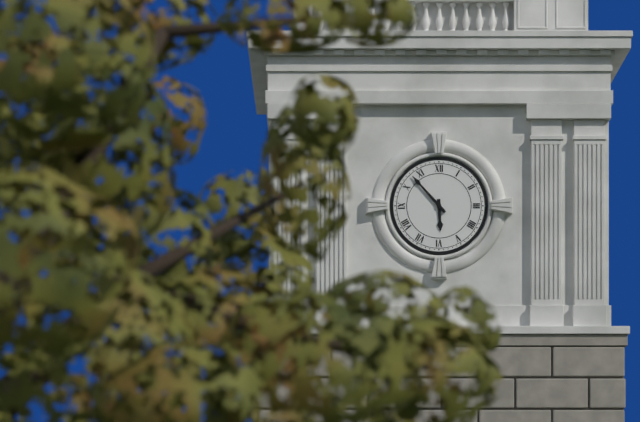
**5:53**
